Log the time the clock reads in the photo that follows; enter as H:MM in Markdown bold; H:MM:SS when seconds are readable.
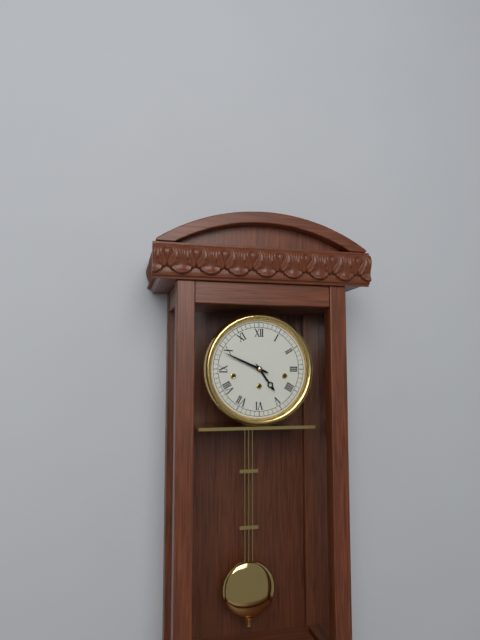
**4:49**
